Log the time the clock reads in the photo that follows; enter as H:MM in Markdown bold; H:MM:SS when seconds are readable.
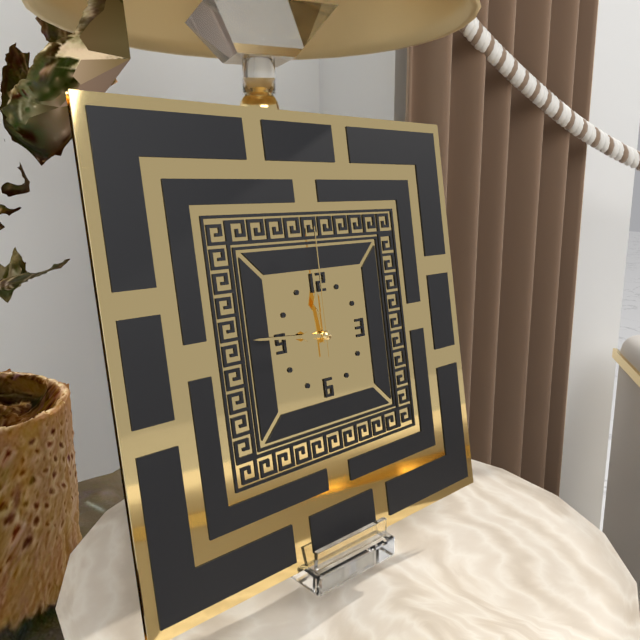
**11:46:00**
